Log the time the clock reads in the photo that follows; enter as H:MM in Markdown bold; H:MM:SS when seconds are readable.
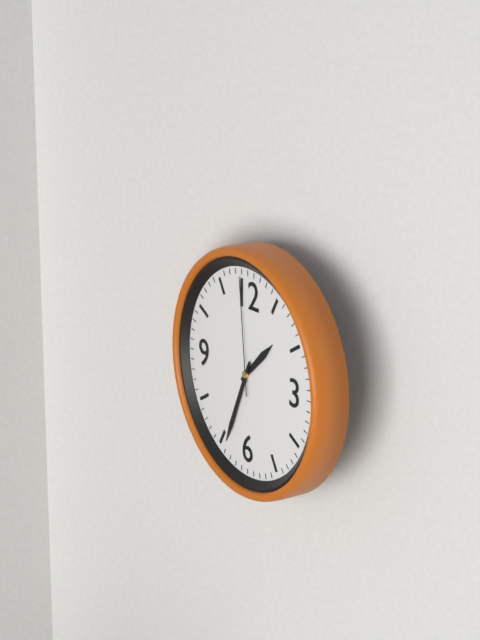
**1:34:59**
